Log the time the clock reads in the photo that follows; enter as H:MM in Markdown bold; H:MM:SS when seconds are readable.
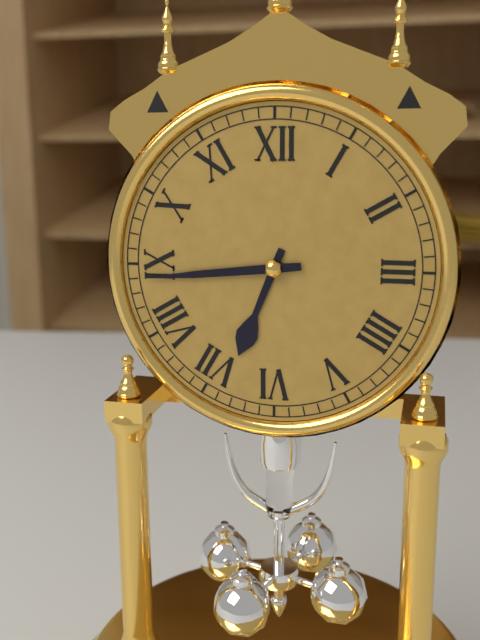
**6:44**
